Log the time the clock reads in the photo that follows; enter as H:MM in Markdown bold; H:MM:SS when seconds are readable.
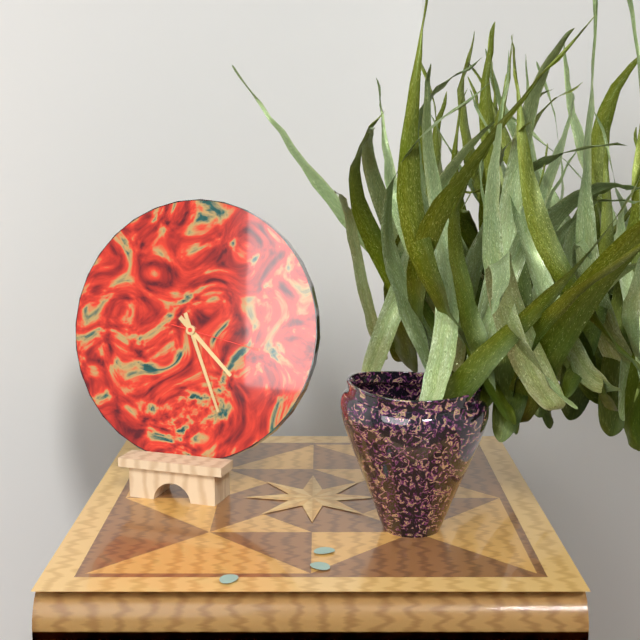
**4:26:17**
